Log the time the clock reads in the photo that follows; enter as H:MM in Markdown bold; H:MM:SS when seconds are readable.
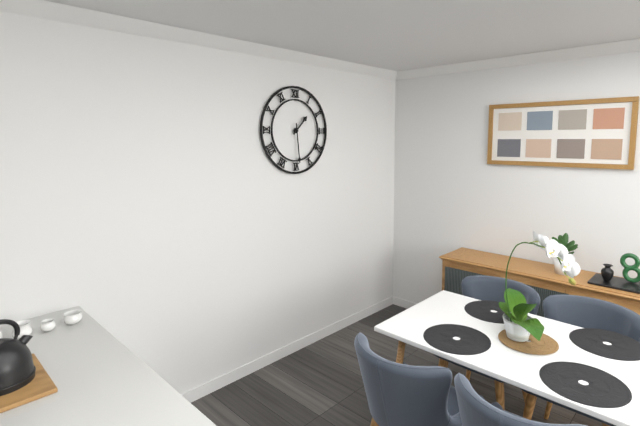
**1:29**
